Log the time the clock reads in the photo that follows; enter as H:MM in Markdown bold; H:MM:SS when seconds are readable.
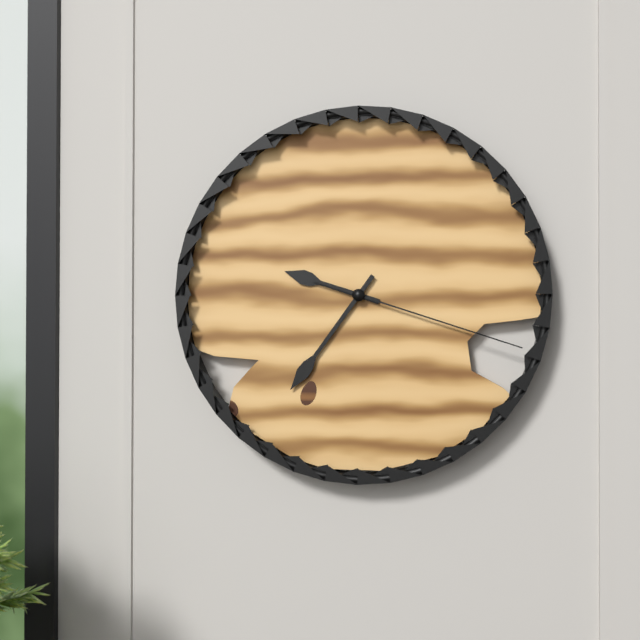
**9:36:18**
